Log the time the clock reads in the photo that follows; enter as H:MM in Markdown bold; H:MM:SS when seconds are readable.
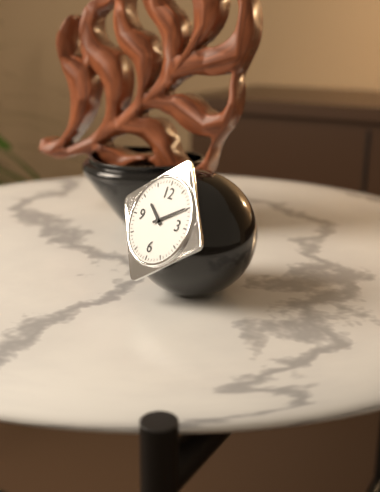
**10:10**
